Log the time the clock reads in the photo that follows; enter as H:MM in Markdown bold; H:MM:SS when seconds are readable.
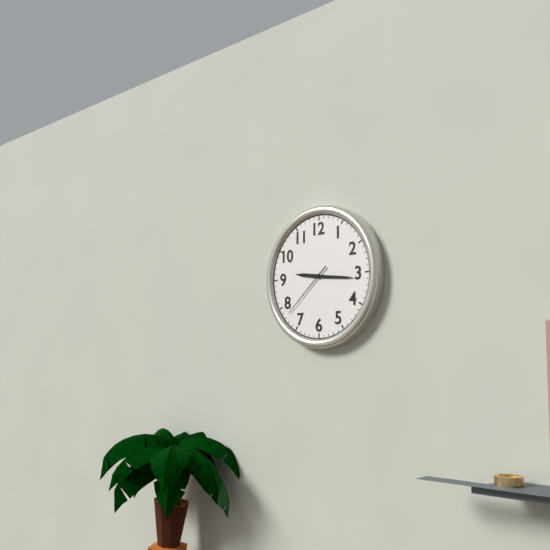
**9:16:38**
